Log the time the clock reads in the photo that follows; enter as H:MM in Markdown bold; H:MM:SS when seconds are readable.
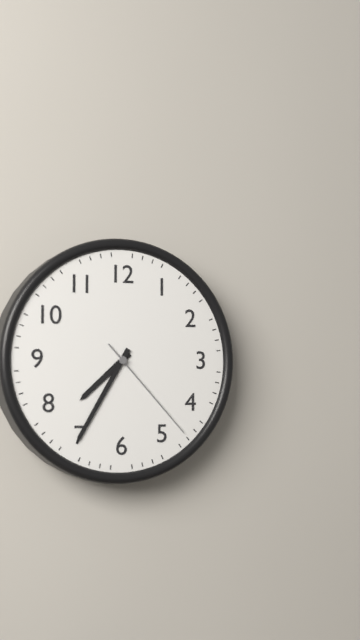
**7:35:23**
